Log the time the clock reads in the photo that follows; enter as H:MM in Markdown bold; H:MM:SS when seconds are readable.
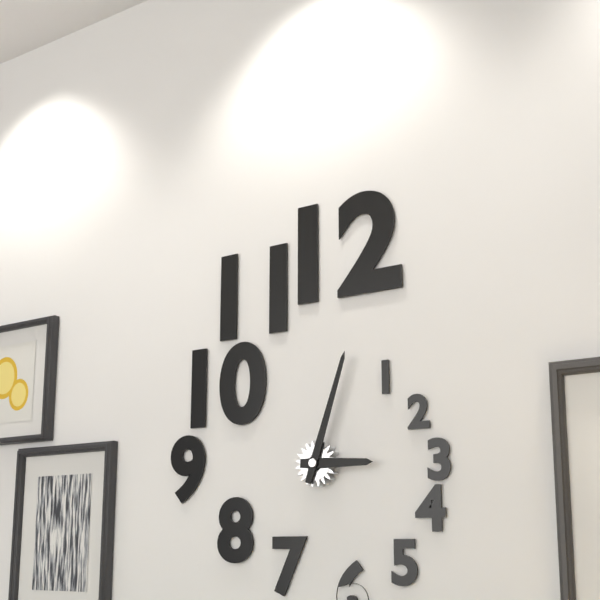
**3:03**
